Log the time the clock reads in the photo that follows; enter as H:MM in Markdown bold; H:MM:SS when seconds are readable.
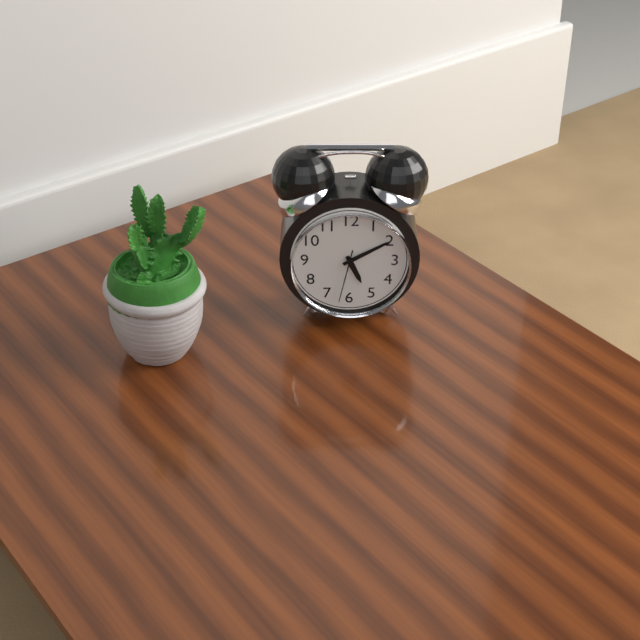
**5:10:32**
